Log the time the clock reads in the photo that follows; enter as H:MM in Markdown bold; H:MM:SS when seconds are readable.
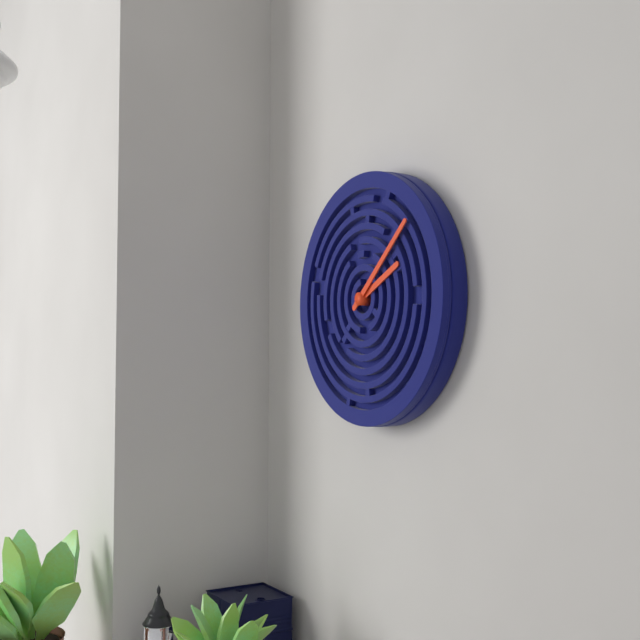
**2:08**
